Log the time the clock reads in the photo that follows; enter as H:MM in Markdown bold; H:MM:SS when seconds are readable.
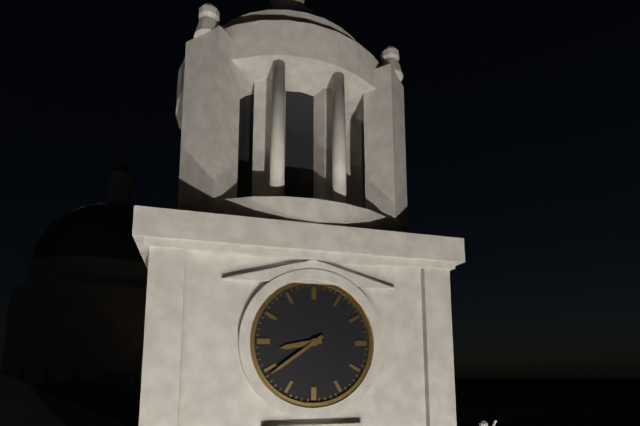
**8:39**
